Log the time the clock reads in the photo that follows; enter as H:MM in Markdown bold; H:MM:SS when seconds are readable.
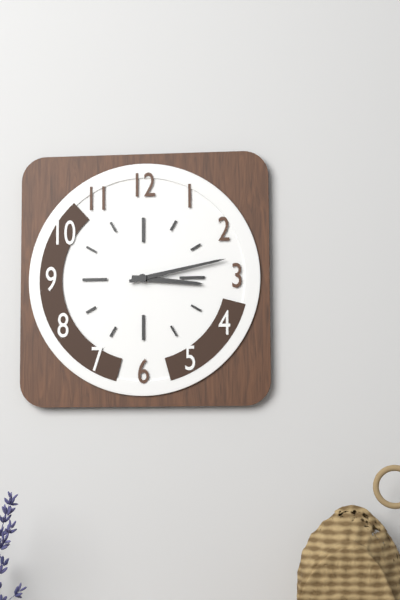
**3:13**
